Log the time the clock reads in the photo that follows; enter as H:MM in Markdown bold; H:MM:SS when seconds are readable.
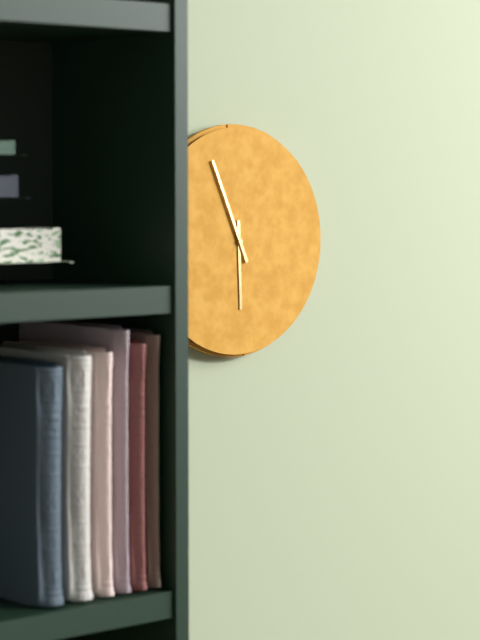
**5:56**
